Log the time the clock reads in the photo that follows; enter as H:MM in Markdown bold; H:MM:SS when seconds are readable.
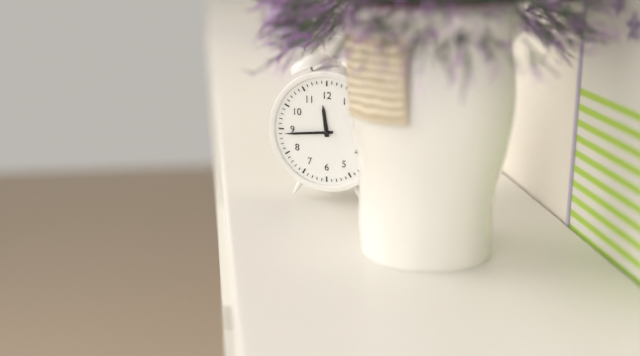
**11:44**
